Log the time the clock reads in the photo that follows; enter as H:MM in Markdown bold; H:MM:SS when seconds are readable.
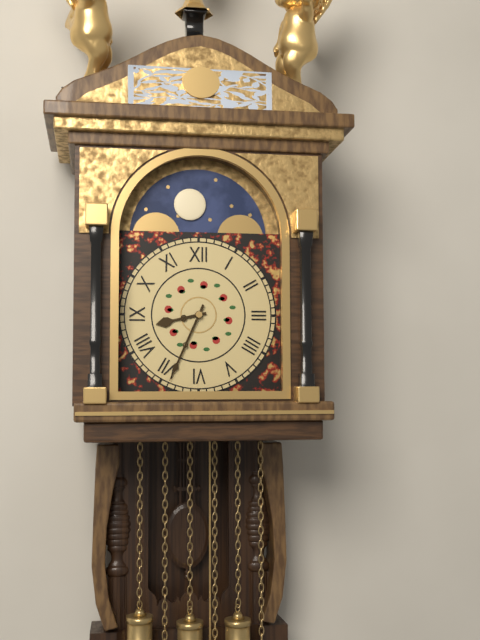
**8:34**
